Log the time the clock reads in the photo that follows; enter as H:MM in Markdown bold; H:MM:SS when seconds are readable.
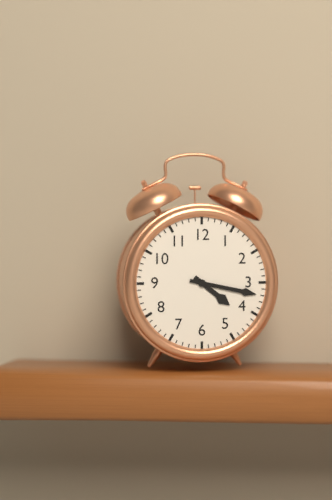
**4:17**
